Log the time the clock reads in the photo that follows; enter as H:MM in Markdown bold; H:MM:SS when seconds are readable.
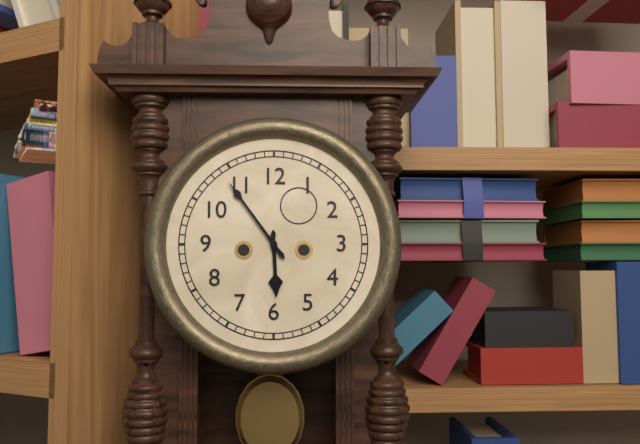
**5:54**
